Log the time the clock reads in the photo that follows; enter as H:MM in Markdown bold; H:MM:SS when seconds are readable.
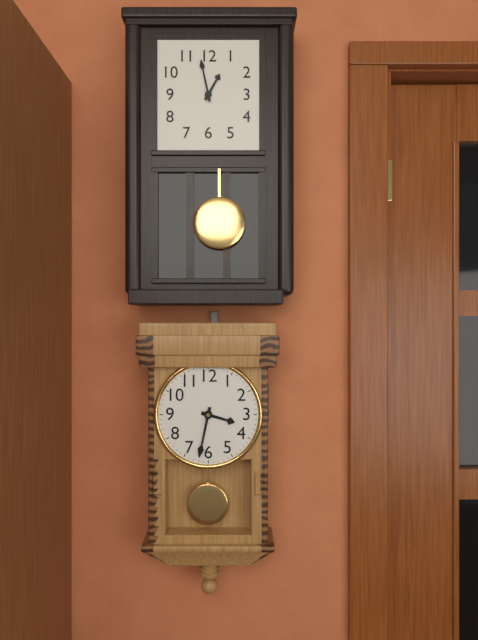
**3:32**
